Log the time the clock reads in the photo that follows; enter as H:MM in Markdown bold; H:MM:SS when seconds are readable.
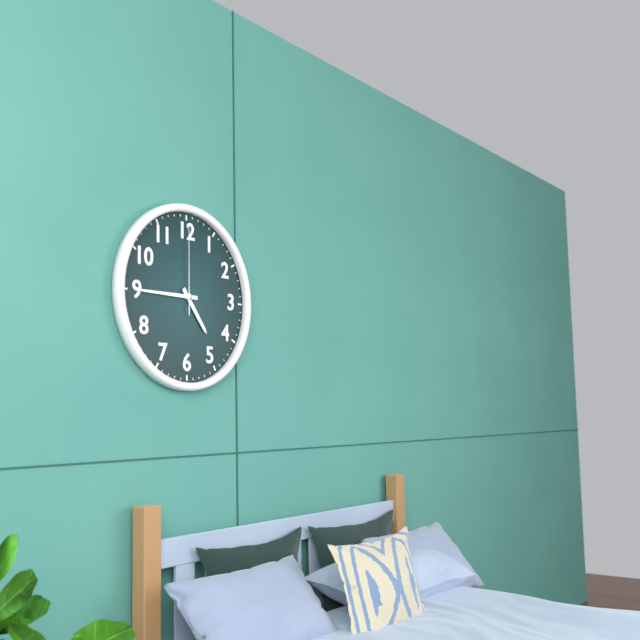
**4:45:00**
